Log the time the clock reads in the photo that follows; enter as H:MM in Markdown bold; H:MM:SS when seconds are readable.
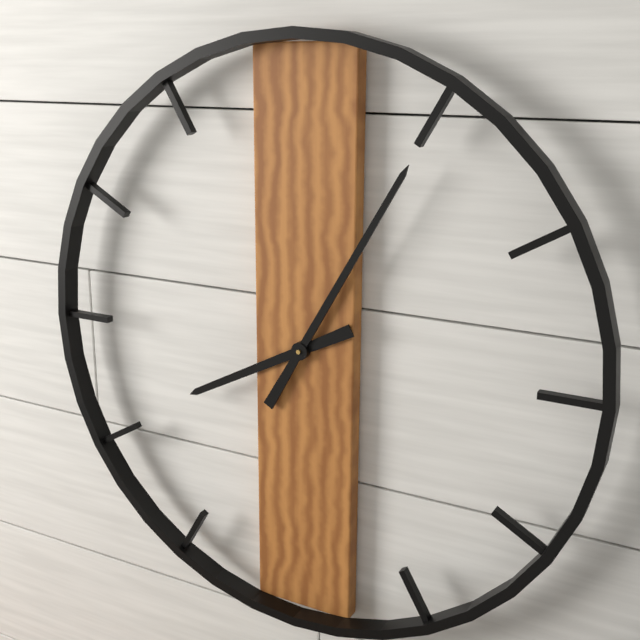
**8:05**
